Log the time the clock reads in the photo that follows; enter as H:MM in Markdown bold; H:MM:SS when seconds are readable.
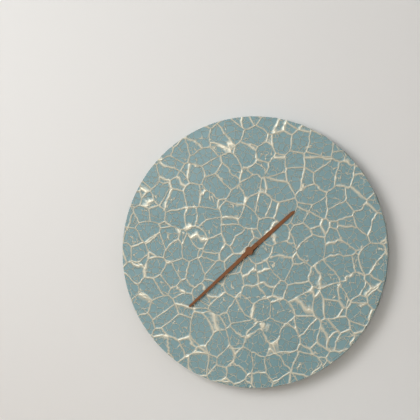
**1:38**
